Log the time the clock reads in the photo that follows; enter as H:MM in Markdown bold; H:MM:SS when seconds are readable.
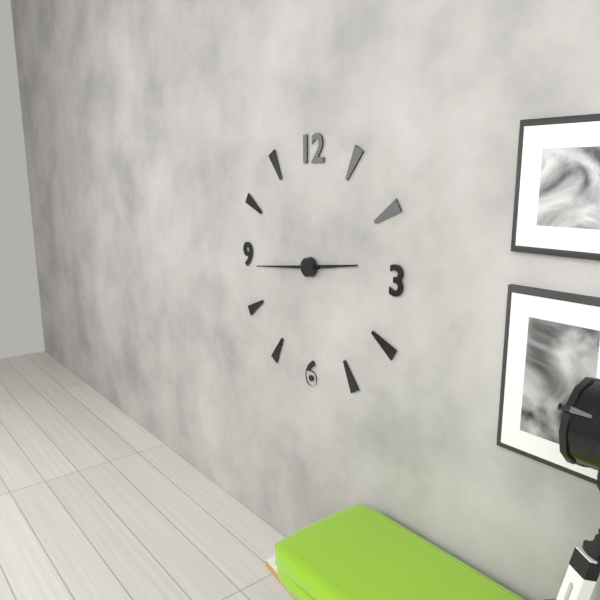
**2:44**
